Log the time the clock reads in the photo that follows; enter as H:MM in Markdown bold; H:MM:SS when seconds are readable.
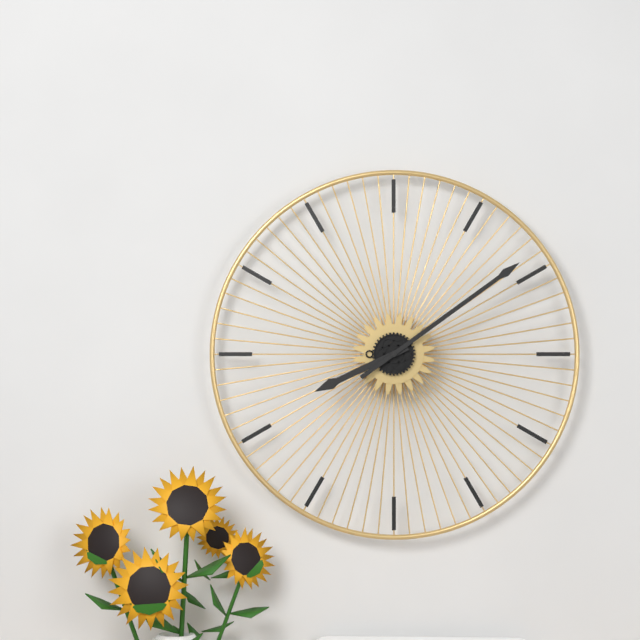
**8:09**
